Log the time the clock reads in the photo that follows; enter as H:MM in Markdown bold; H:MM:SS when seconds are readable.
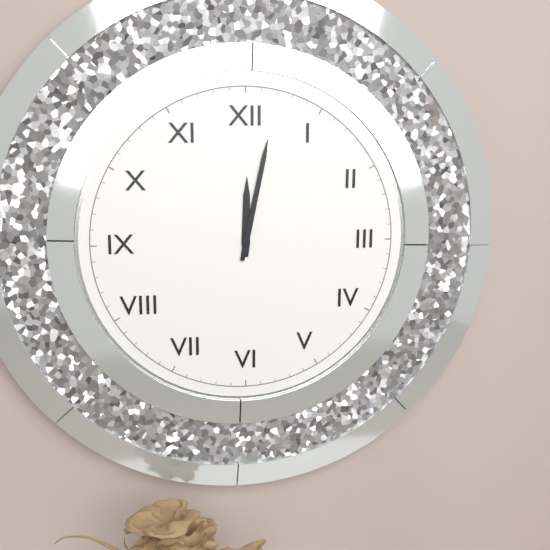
**12:02**
